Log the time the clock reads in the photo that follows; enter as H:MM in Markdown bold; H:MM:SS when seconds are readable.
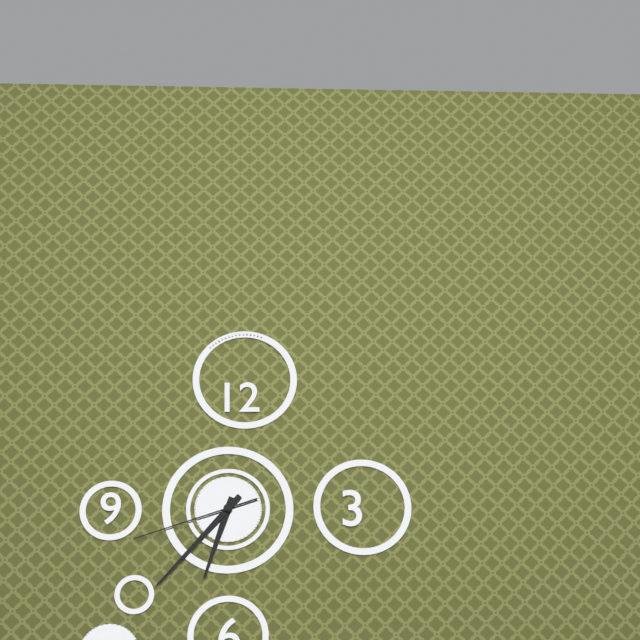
**6:37:42**
